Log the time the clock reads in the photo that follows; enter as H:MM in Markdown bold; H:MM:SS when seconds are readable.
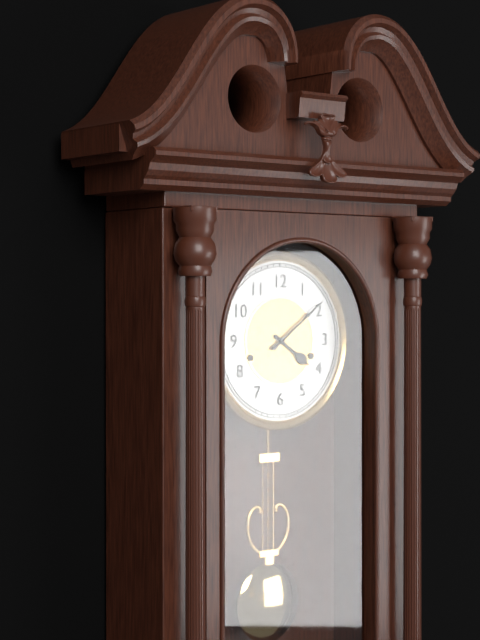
**4:09**
